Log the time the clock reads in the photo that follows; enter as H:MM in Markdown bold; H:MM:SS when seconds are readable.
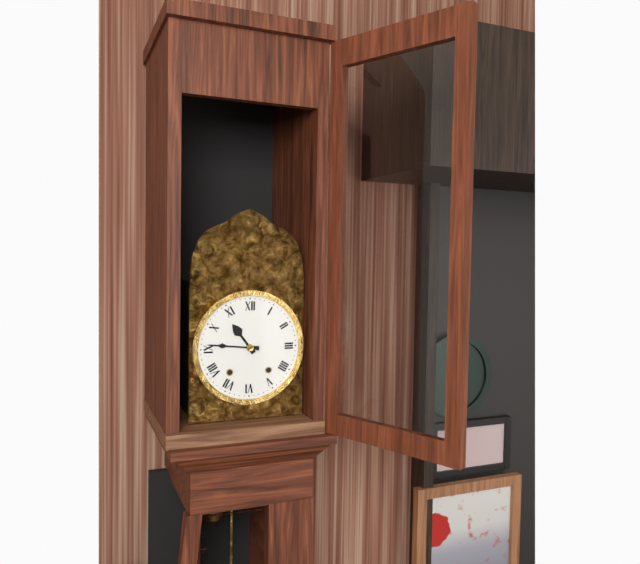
**10:46**
